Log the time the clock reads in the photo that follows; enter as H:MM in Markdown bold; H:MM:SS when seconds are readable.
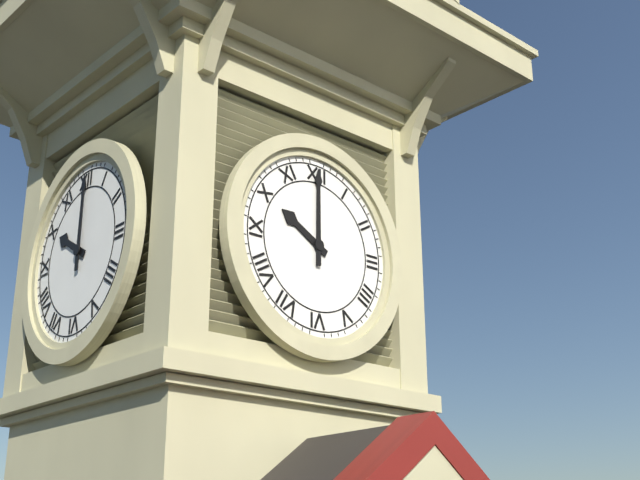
**10:00**
